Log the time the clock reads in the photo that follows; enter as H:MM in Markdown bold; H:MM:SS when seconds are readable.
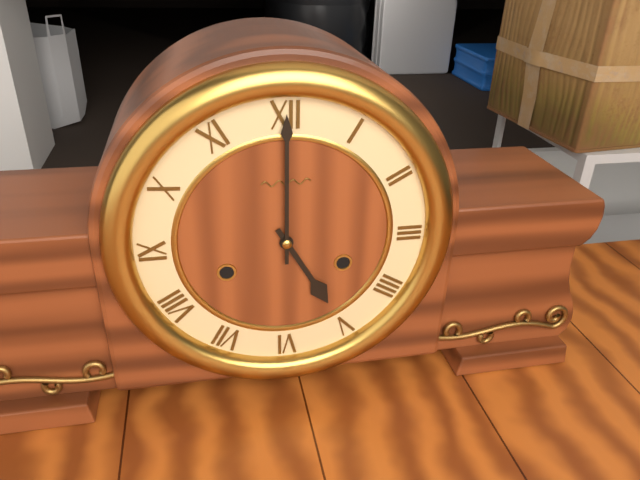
**5:00**
